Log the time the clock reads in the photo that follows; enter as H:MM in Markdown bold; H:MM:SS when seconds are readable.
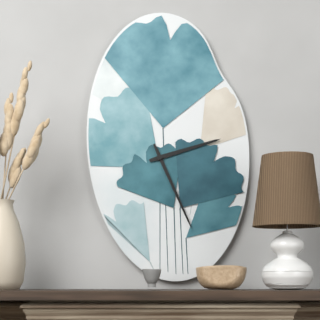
**2:26**
